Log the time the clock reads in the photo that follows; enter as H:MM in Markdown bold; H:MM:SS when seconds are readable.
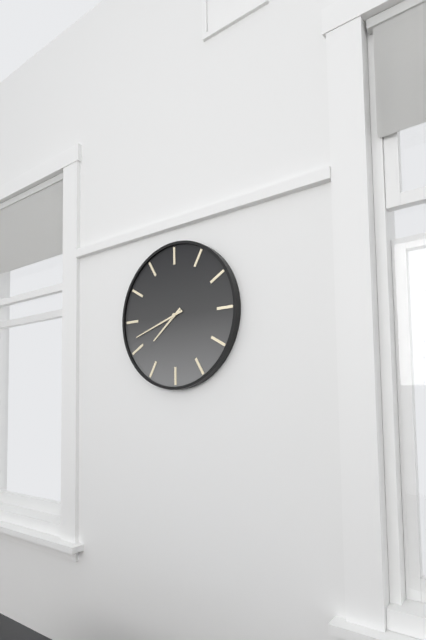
**7:42**
